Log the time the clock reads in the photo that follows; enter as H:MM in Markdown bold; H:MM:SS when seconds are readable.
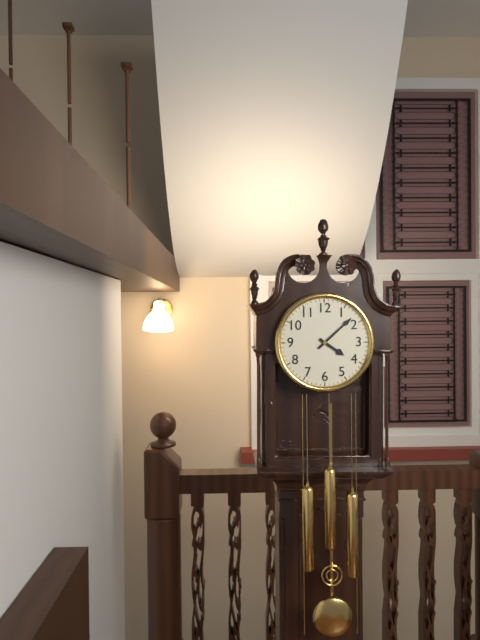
**4:08**
